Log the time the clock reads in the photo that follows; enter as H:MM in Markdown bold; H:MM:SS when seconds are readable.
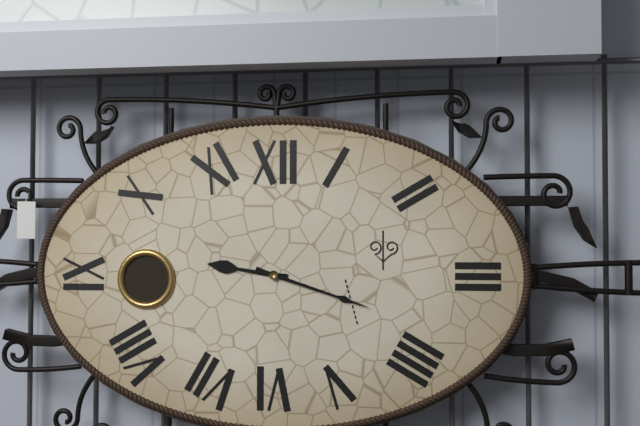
**9:18**
